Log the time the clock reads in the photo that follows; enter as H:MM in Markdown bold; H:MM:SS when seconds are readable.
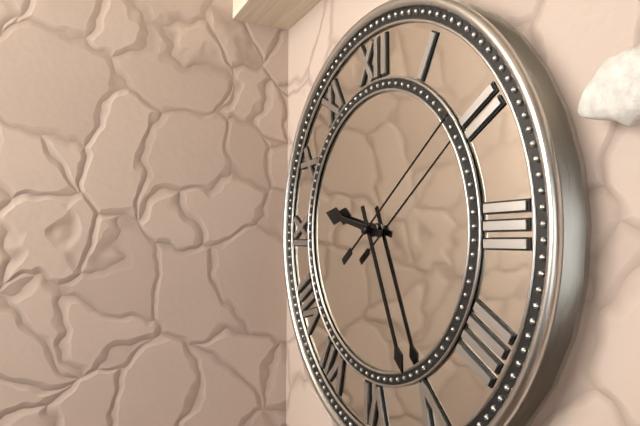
**9:26:09**
